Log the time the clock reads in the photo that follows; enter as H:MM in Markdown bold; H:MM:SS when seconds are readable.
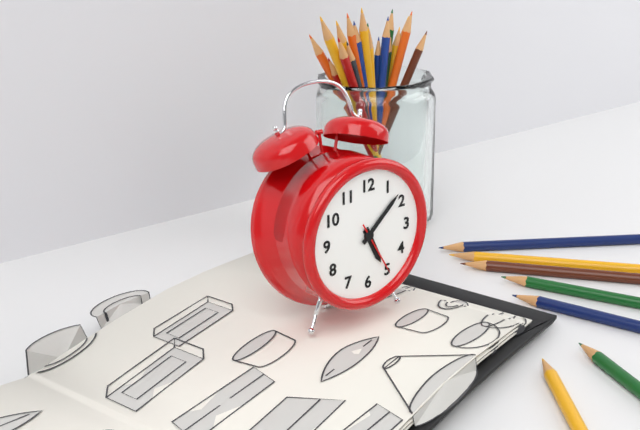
**5:08:25**
